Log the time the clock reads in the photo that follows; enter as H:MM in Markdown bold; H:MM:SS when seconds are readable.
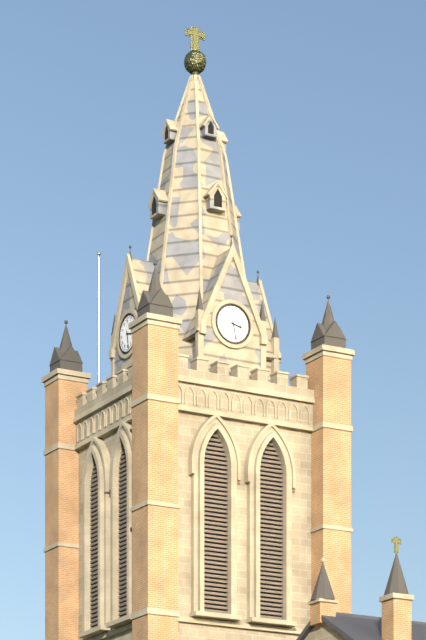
**3:28**
